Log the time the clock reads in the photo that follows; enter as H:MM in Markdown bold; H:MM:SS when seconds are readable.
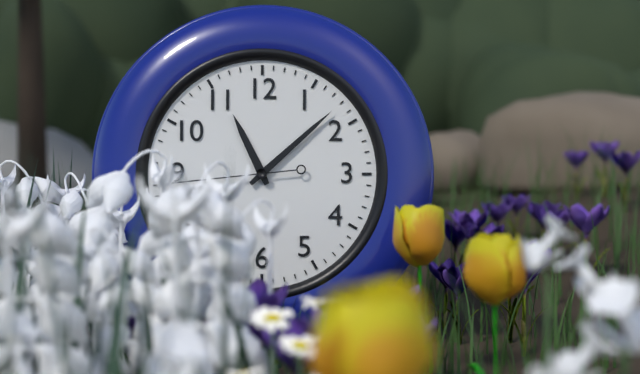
**11:08:44**
